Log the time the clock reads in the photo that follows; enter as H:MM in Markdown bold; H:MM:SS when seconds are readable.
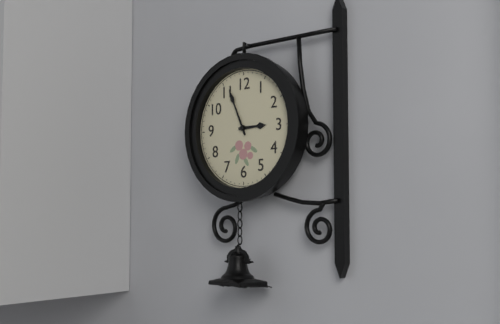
**2:56**
